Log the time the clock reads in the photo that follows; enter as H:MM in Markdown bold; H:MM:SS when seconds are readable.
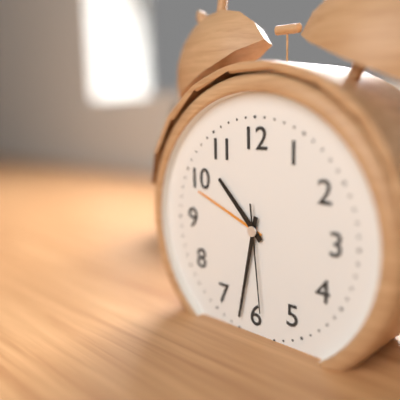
**10:32:29**
